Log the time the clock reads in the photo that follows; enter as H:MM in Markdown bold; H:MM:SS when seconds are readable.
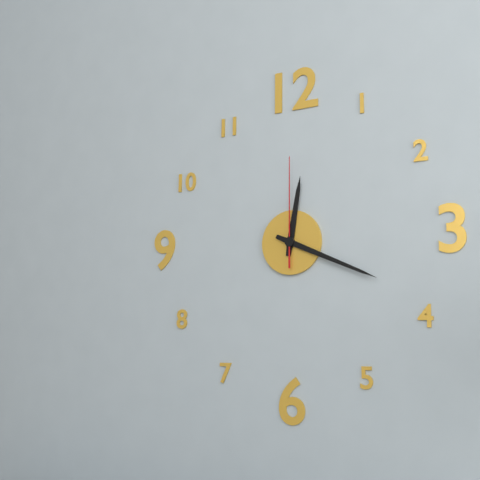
**12:19:00**
